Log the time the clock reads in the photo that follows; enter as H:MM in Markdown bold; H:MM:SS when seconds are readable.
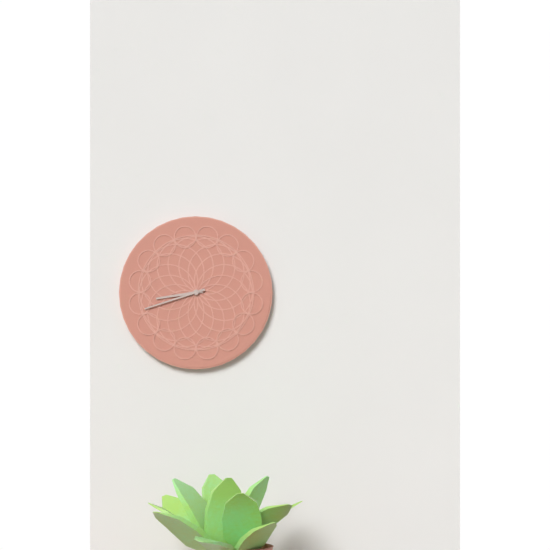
**8:42**
